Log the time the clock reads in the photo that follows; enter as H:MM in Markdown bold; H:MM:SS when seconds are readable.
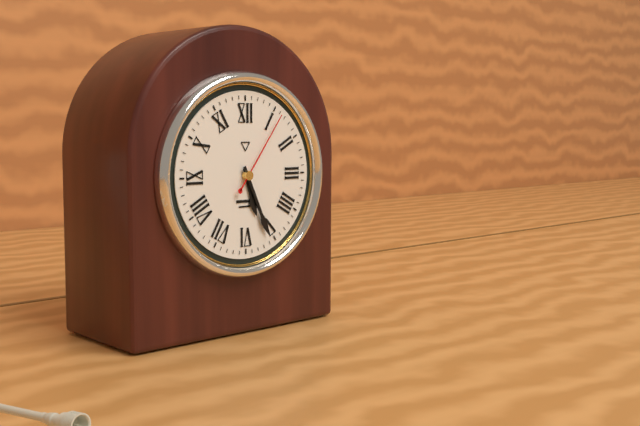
**5:26:06**
